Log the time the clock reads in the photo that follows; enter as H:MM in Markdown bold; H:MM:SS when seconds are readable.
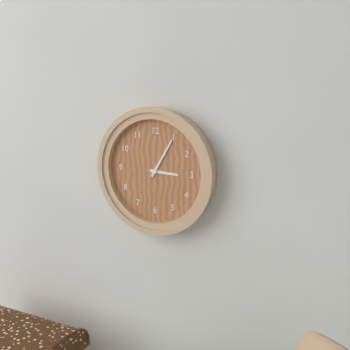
**3:05**
